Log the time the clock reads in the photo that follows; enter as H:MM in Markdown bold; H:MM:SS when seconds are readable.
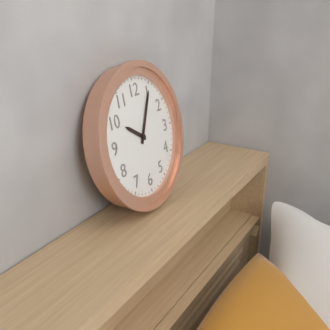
**10:05**
